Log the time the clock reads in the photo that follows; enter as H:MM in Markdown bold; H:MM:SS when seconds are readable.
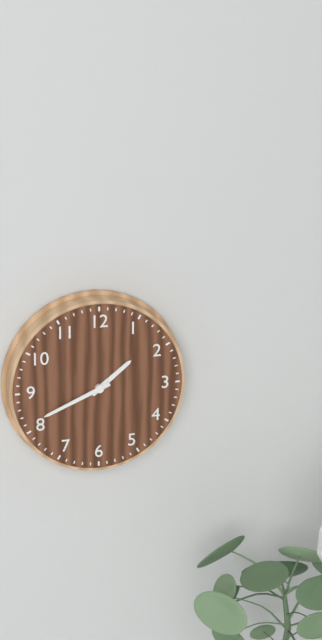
**1:41**
